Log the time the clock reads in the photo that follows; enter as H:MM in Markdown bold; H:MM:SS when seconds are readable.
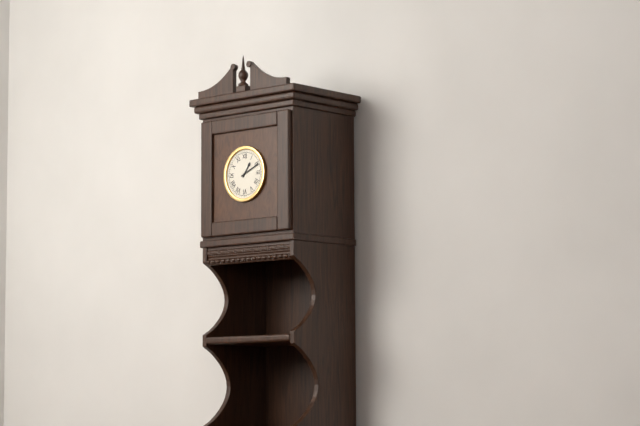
**1:11**
